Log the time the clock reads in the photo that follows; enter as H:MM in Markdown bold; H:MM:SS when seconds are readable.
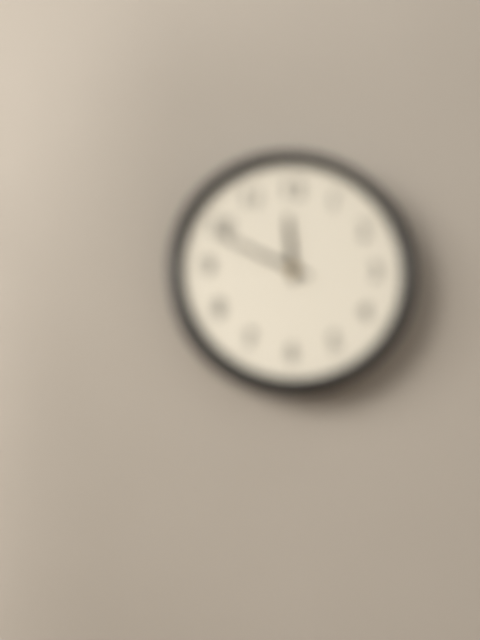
**11:49**
